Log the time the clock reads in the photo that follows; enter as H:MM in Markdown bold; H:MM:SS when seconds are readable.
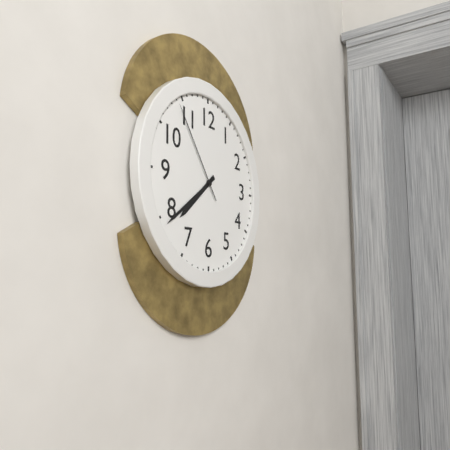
**7:39:54**
